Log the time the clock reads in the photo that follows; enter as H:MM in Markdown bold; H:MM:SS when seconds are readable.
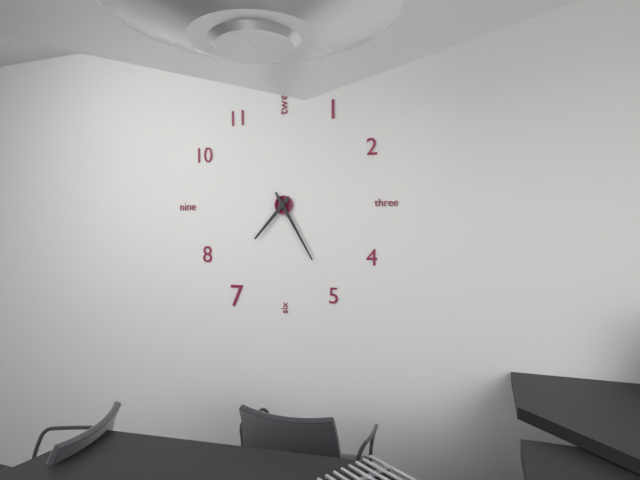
**7:25**
